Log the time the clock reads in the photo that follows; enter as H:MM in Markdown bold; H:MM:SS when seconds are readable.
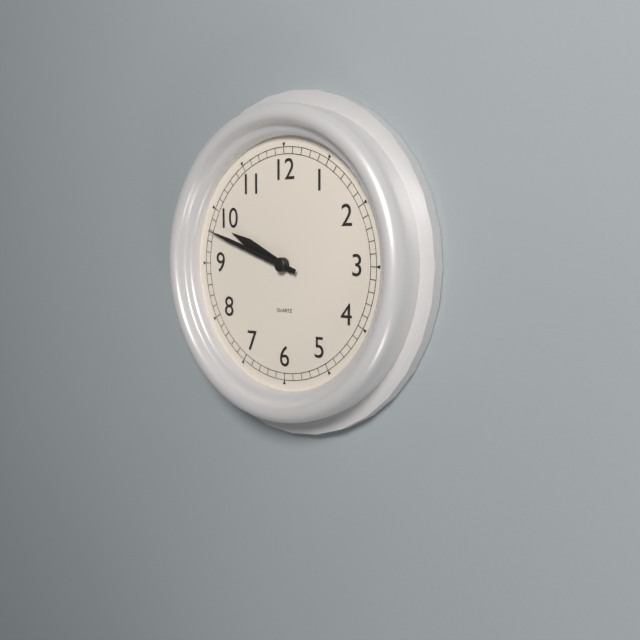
**9:48**
